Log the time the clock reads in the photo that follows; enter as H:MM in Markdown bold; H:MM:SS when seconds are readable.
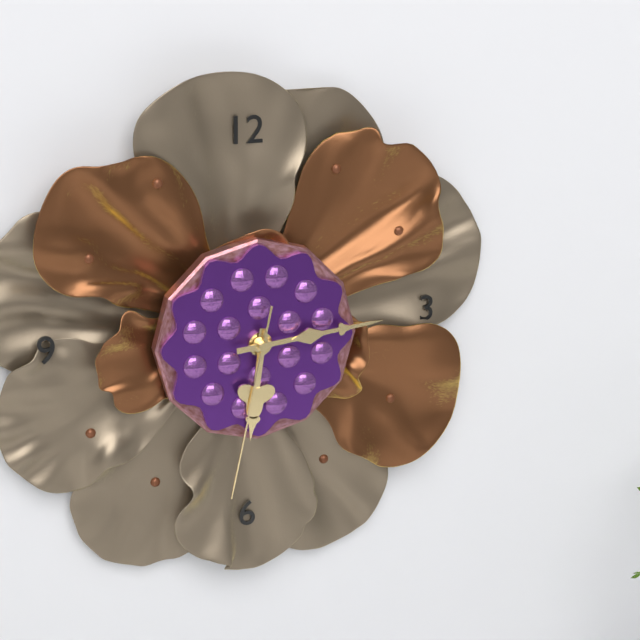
**6:14:32**
